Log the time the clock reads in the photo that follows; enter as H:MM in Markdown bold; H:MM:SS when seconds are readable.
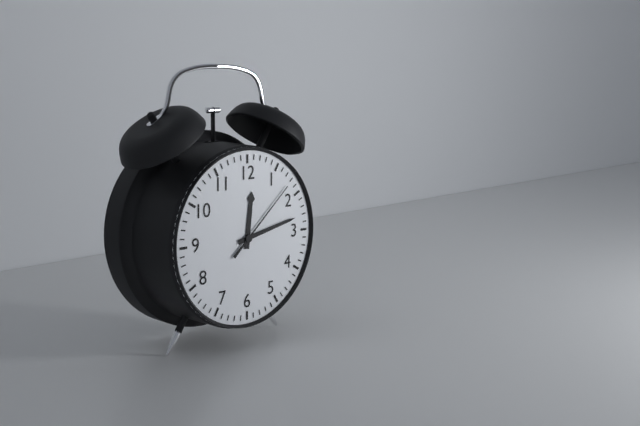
**12:13:08**
